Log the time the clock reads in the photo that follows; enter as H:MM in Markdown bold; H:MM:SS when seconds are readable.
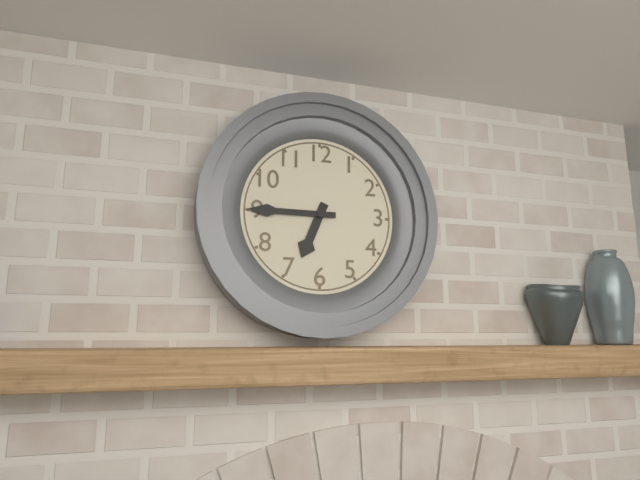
**6:45**
